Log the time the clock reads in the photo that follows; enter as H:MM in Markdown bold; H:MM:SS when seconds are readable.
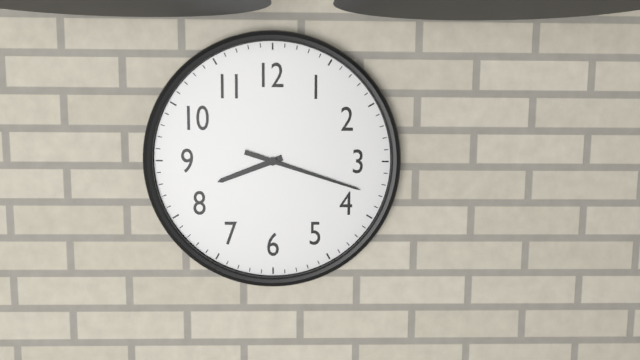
**8:18**
